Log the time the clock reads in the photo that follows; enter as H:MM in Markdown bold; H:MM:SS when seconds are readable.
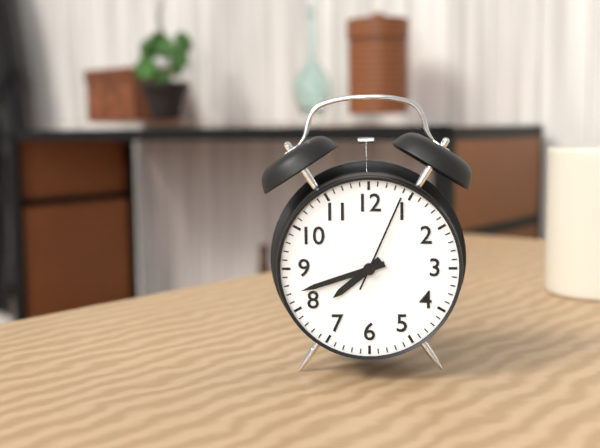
**7:42:04**
